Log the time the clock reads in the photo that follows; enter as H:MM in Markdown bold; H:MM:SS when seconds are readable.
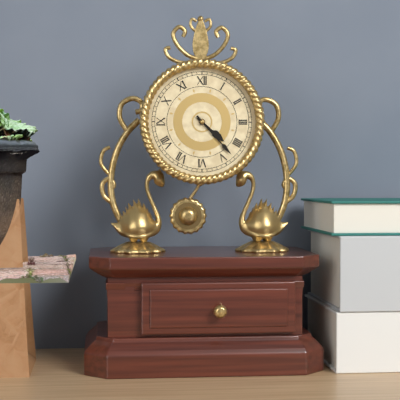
**4:23**
